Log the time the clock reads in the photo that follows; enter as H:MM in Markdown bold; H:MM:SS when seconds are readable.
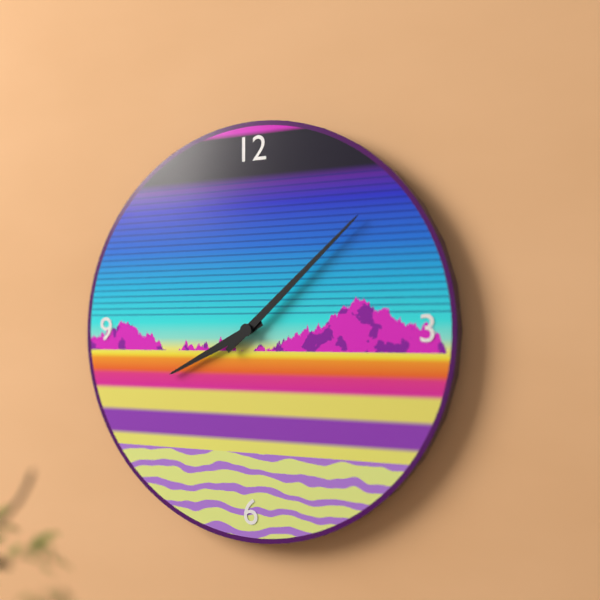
**8:08**
